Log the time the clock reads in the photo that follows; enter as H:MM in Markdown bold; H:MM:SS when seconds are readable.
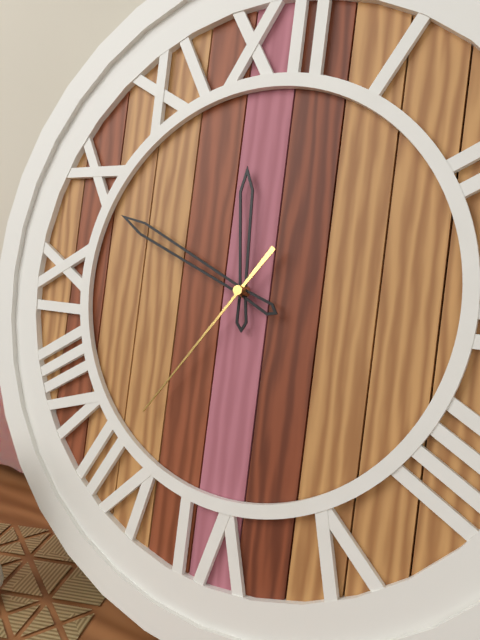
**11:49:36**
